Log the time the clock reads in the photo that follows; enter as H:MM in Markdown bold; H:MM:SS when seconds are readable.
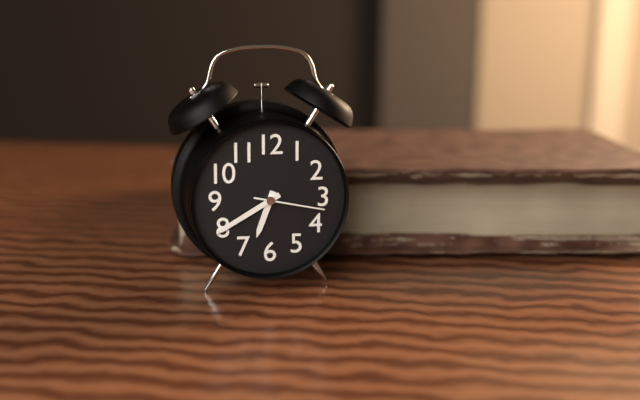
**6:40:17**
